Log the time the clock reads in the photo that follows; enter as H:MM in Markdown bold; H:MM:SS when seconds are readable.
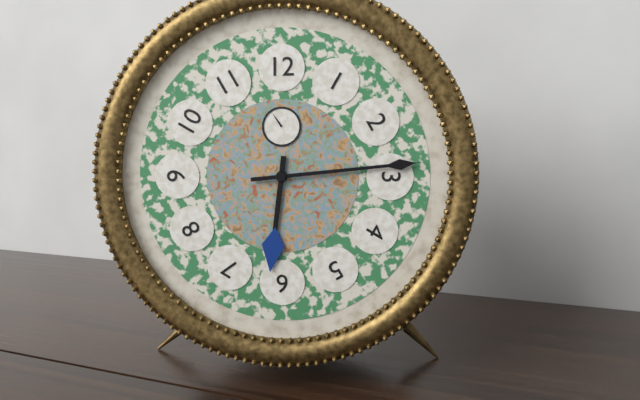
**6:14**
